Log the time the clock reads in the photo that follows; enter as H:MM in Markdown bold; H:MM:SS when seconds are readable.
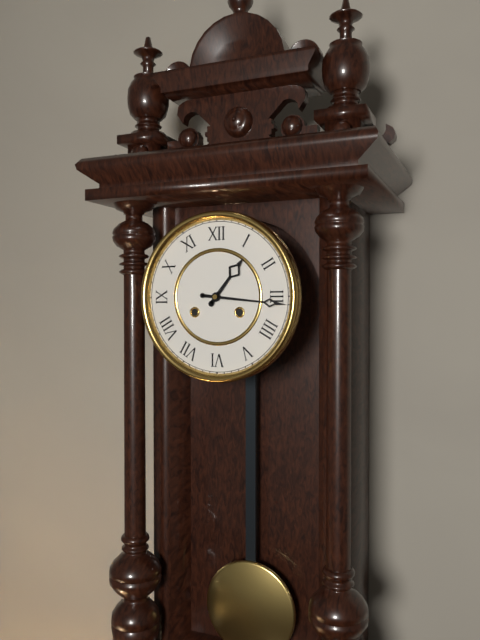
**1:16**
